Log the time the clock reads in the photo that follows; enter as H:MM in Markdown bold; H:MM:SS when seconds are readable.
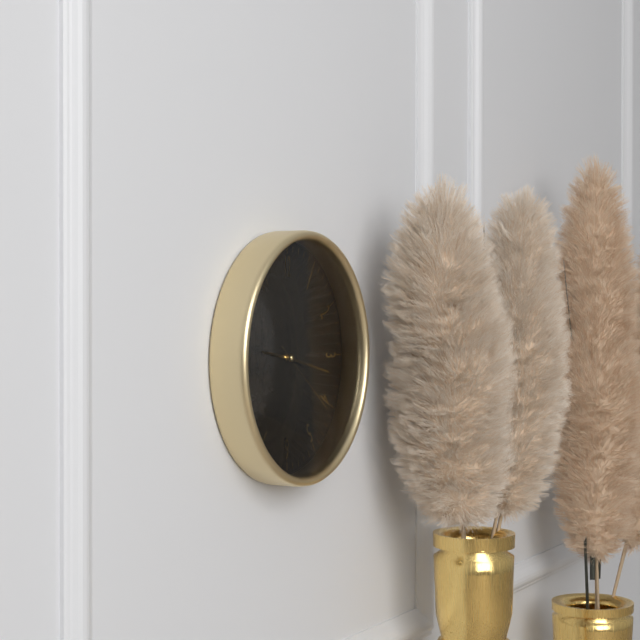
**9:17:21**
